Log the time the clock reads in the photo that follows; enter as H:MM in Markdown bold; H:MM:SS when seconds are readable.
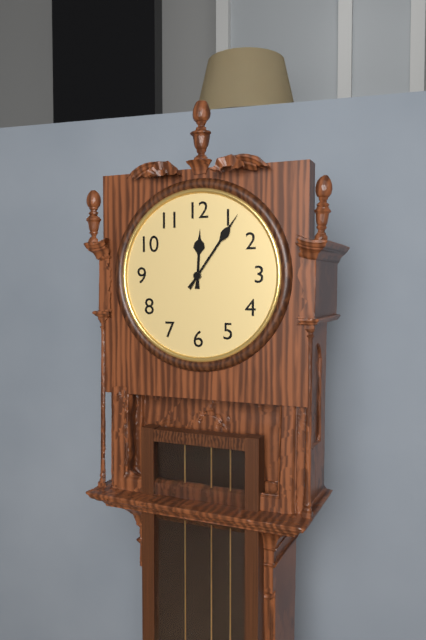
**12:06**
